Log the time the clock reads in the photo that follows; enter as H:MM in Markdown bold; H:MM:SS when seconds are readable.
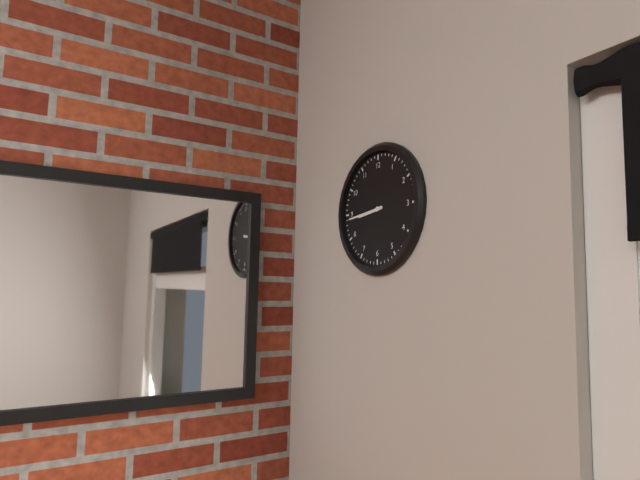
**8:44**
